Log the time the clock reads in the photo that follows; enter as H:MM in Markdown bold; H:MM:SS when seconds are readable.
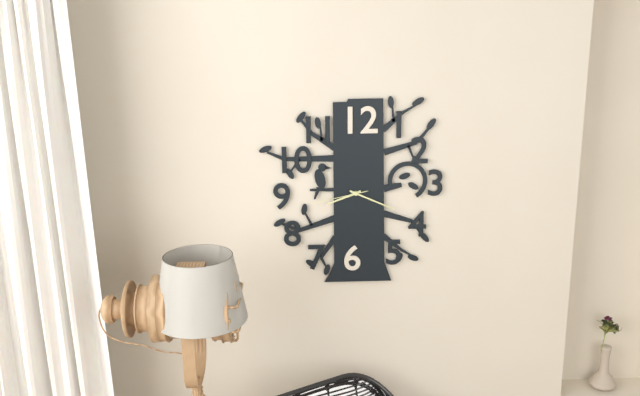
**8:19:43**
